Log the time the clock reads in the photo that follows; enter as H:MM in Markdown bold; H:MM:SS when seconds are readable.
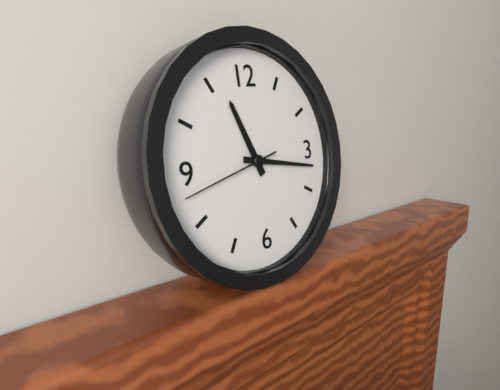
**11:17:43**
